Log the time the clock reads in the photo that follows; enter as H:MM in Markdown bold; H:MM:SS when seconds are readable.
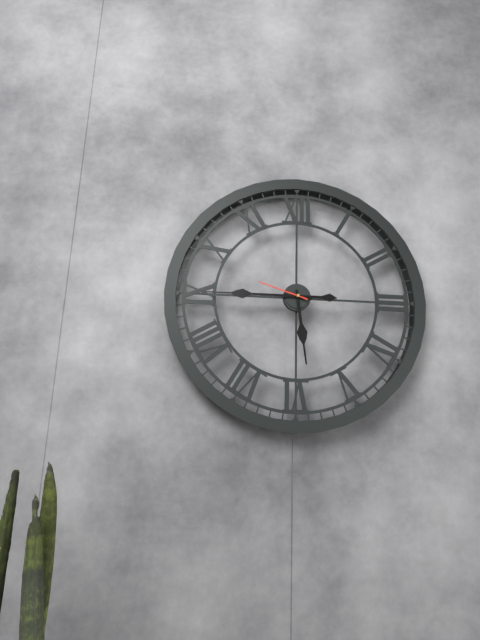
**5:45:48**
